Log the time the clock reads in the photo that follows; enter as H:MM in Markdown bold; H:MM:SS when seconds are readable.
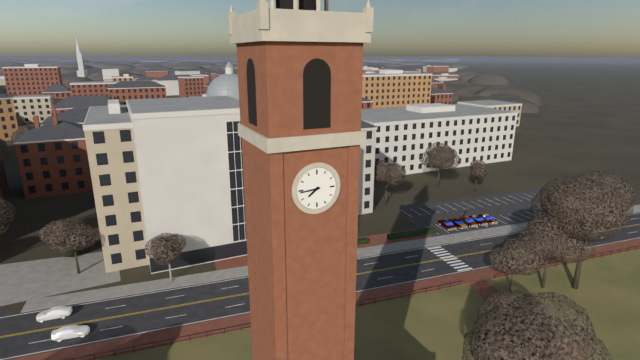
**7:44**
